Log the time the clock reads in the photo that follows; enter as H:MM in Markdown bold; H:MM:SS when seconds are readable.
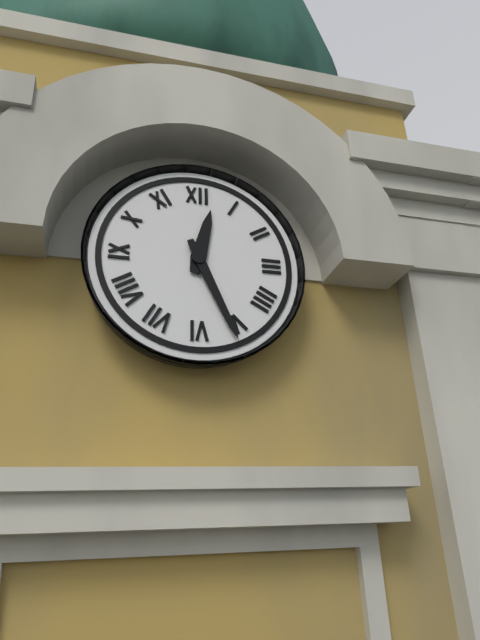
**12:26**
